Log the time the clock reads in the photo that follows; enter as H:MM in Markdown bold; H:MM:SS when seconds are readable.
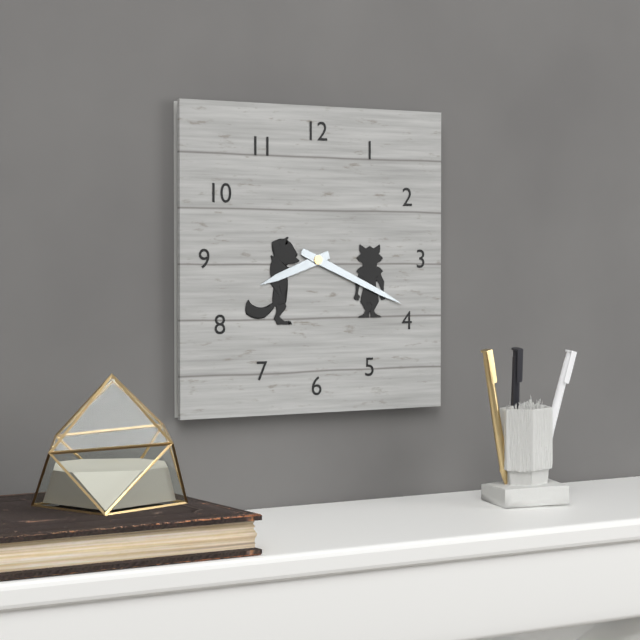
**8:19**
